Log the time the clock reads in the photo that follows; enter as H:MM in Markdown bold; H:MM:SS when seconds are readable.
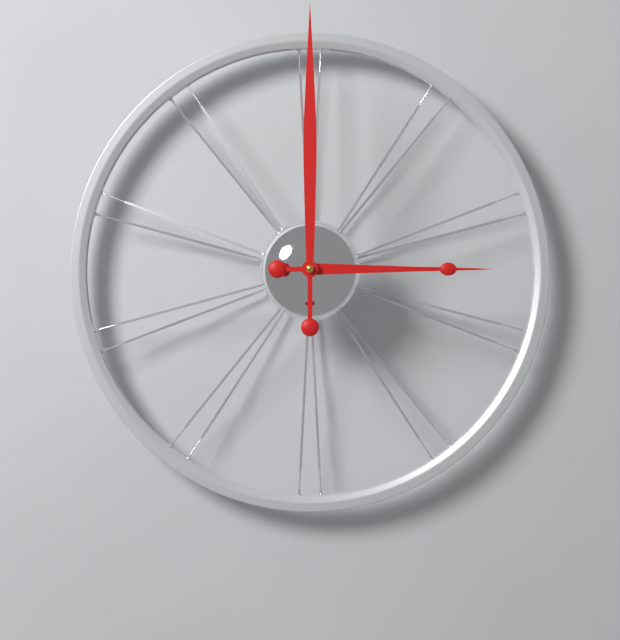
**3:00**
